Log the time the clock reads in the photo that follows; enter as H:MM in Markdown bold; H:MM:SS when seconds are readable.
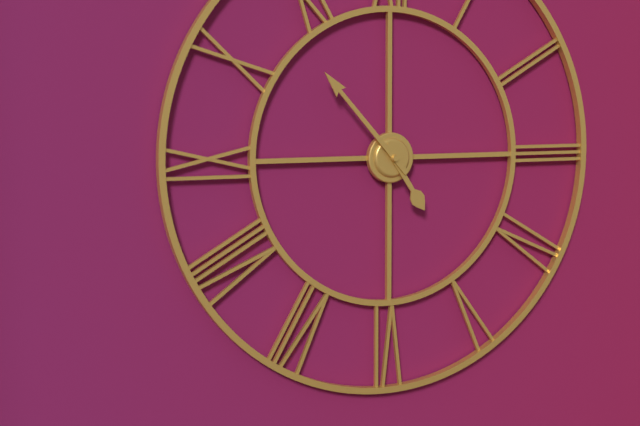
**4:53**
